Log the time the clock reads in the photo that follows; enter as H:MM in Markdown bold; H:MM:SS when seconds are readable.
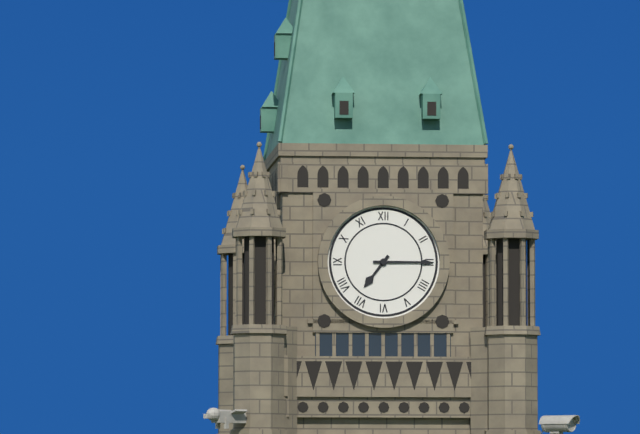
**7:15**
